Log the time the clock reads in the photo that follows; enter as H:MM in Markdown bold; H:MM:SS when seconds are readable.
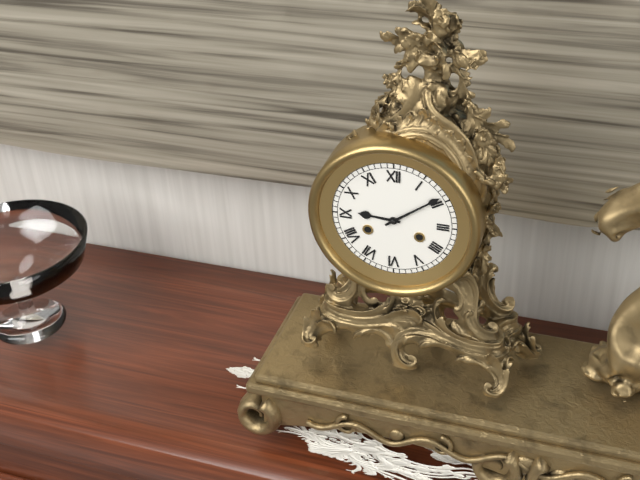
**9:09**
